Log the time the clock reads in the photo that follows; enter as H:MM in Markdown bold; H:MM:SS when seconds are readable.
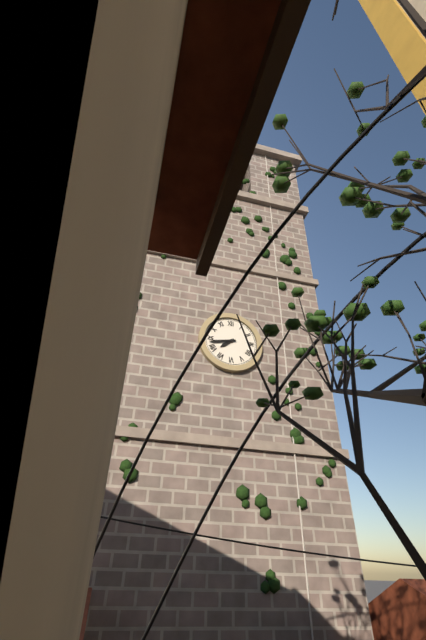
**7:43**
